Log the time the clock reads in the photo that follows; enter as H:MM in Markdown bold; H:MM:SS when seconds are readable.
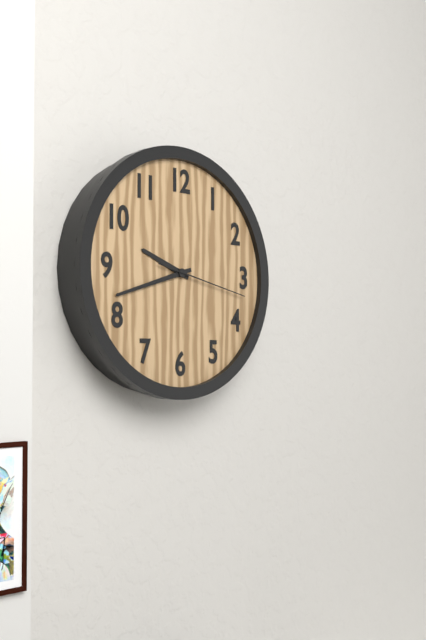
**9:42:17**
